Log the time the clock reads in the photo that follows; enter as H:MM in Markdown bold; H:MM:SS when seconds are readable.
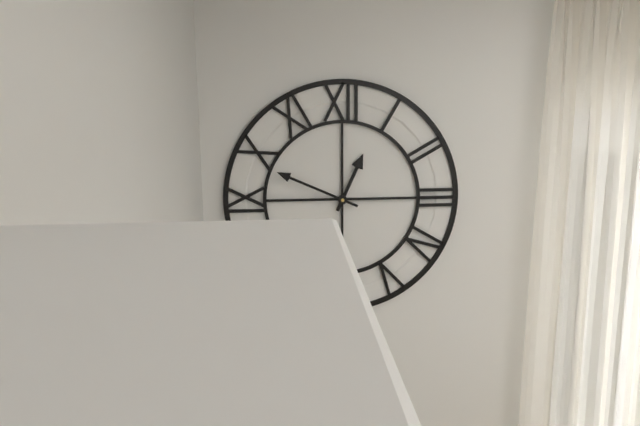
**12:49**
